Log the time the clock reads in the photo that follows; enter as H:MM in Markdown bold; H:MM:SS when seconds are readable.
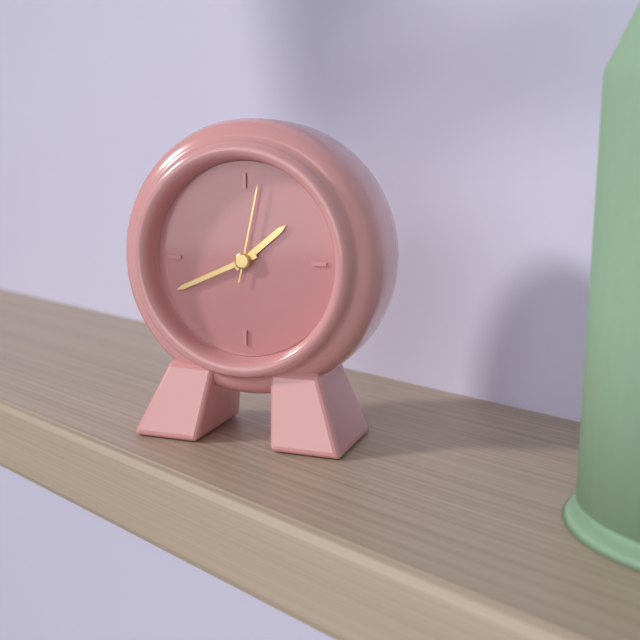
**1:41:02**
